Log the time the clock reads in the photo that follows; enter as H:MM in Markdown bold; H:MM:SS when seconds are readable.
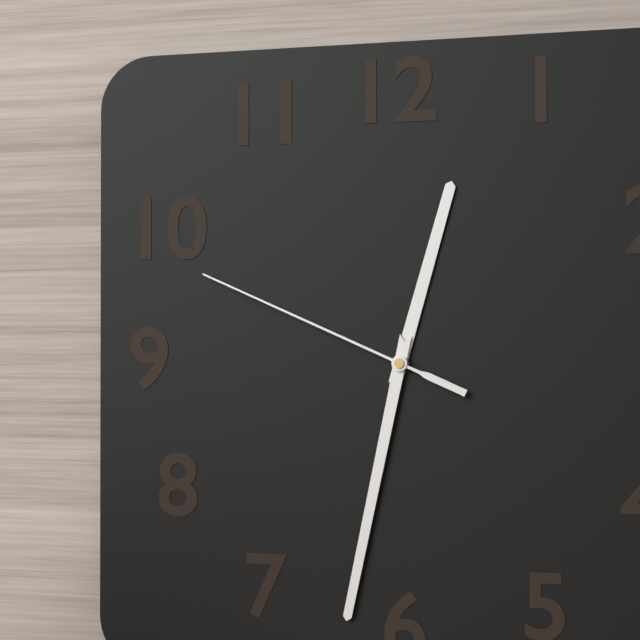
**12:32:49**
